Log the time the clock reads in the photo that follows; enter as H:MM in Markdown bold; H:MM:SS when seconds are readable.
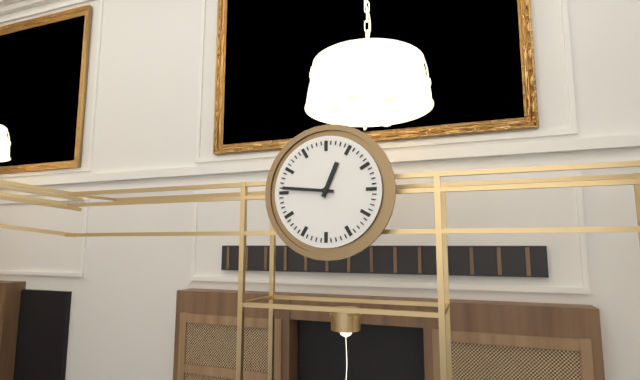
**12:46**
